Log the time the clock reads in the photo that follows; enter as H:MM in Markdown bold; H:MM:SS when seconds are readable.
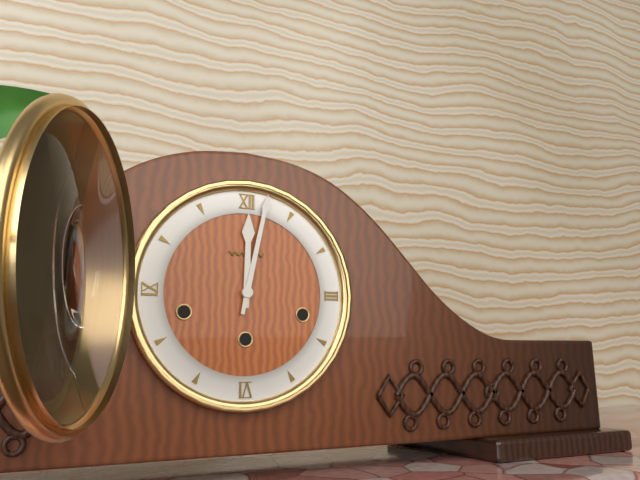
**12:02**
